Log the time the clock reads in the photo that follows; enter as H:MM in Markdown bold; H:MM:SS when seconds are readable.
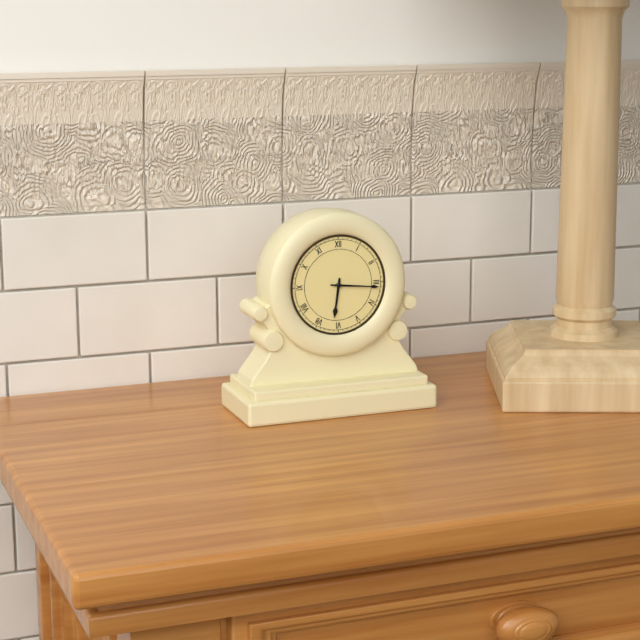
**6:16**
